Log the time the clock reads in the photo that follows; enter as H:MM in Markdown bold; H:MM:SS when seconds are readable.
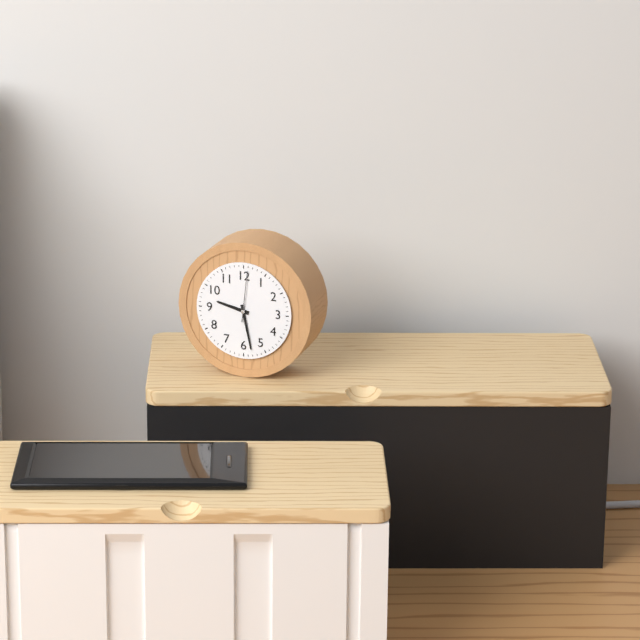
**9:28:01**
